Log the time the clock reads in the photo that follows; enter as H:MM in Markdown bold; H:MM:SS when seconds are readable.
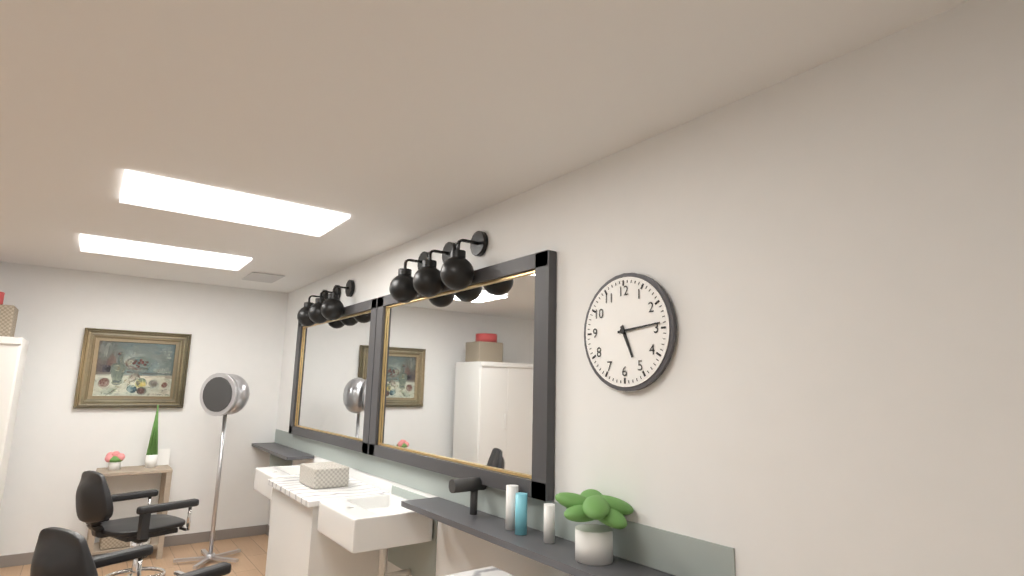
**5:14**
